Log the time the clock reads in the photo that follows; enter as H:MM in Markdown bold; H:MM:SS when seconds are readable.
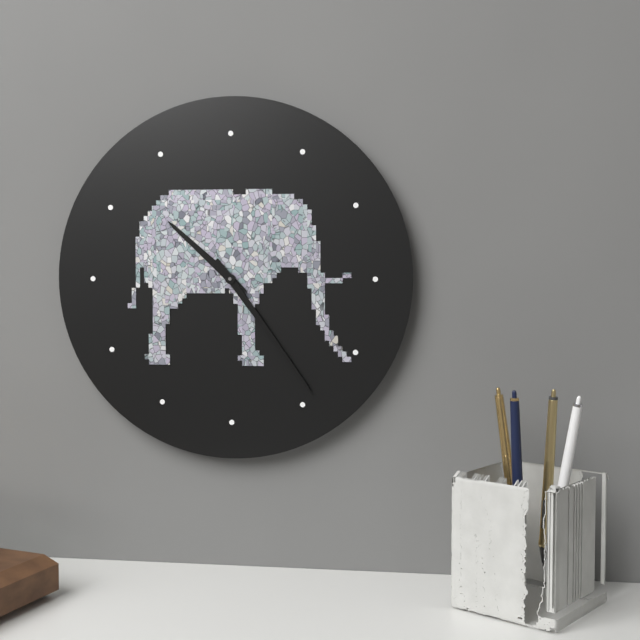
**10:24**
